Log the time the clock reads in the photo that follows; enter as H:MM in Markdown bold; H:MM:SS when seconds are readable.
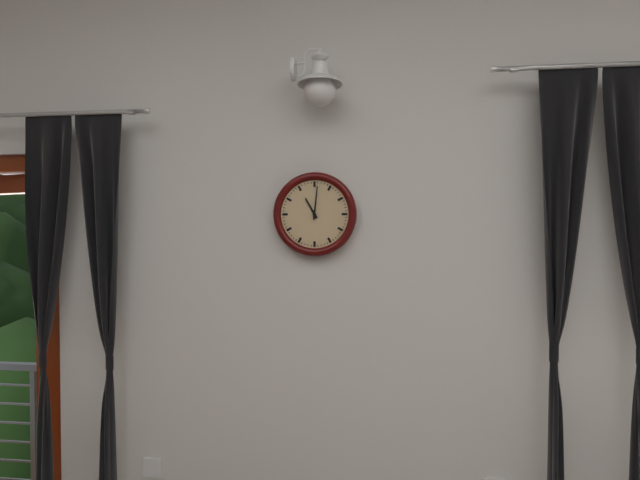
**11:01**
